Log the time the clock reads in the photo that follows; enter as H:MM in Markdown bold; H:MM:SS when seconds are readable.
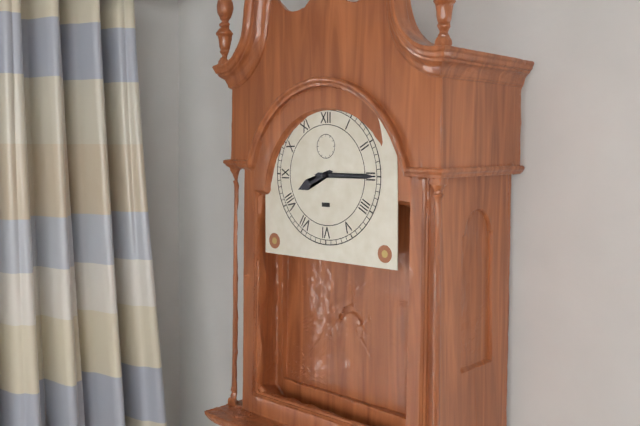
**8:15**
